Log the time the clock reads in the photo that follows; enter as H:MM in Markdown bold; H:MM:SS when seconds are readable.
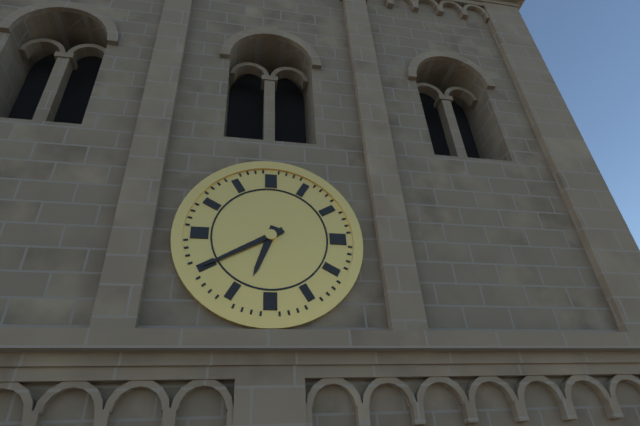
**6:40**
